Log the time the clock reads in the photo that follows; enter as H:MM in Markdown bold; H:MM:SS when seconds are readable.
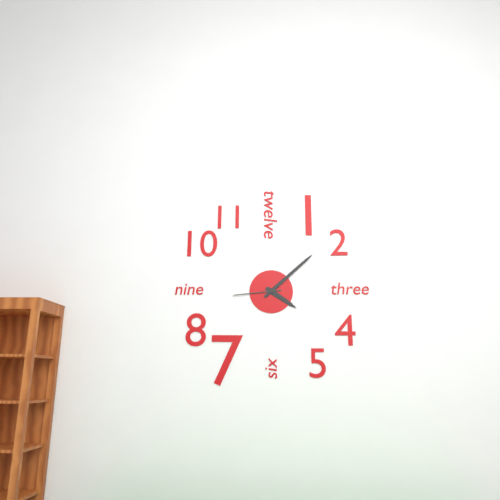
**4:08**
